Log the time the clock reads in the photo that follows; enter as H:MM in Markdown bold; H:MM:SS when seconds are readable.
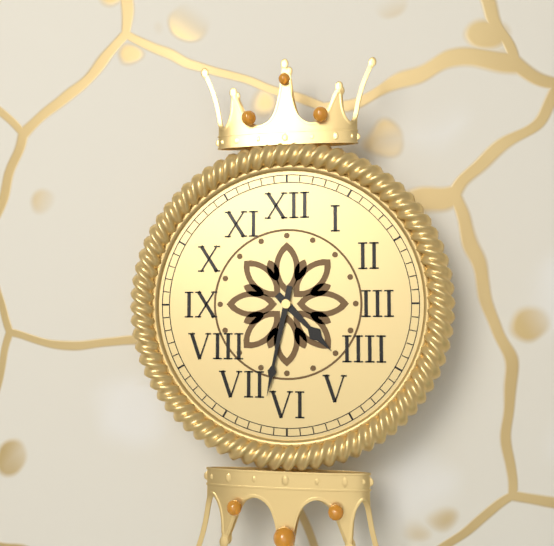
**4:32**
